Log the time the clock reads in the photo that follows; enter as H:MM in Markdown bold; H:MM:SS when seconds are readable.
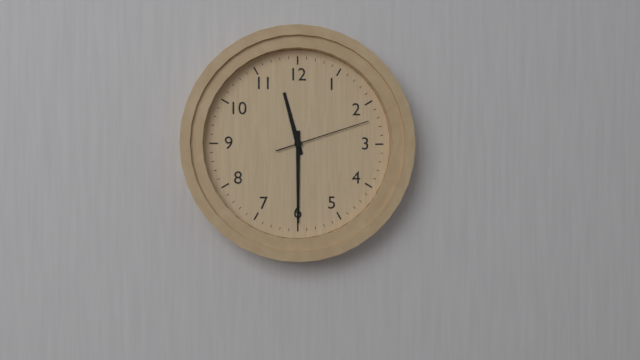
**11:30:12**
